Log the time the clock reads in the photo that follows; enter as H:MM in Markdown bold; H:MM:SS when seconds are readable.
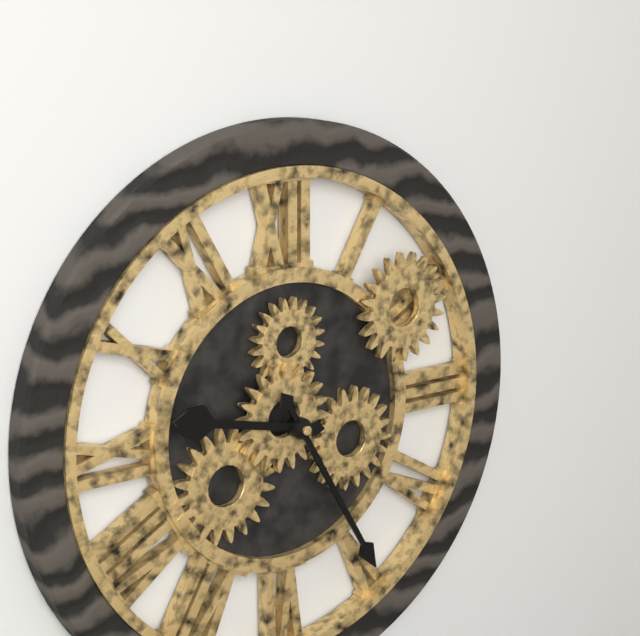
**9:25**
